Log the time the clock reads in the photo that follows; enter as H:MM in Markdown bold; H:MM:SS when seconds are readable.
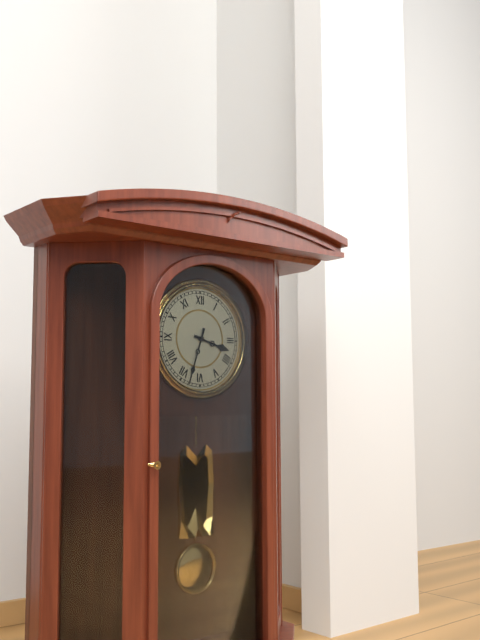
**3:33**
